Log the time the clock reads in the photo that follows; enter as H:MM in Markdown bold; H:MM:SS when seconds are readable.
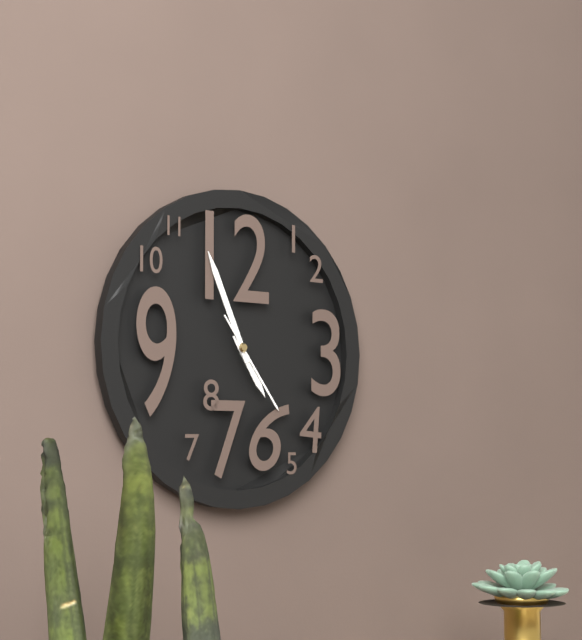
**4:56:24**
